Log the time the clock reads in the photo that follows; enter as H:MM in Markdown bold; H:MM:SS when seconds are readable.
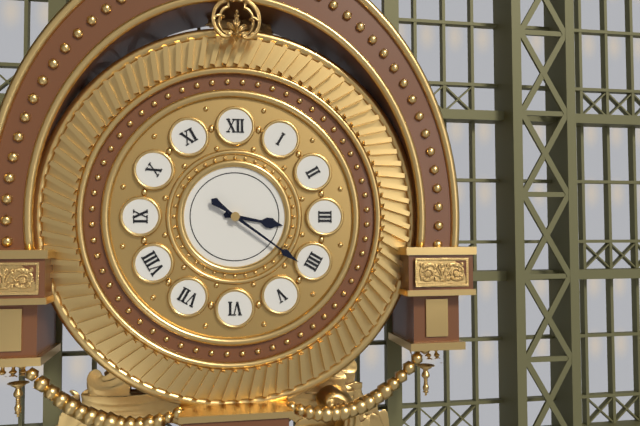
**3:21**
